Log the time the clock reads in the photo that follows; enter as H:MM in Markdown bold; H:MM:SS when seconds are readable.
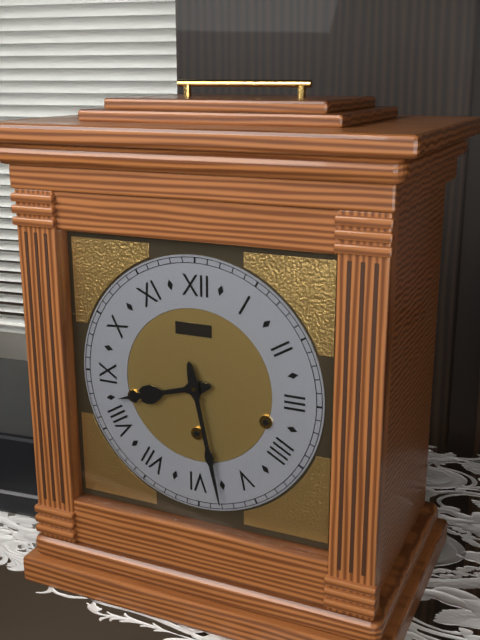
**8:28**
